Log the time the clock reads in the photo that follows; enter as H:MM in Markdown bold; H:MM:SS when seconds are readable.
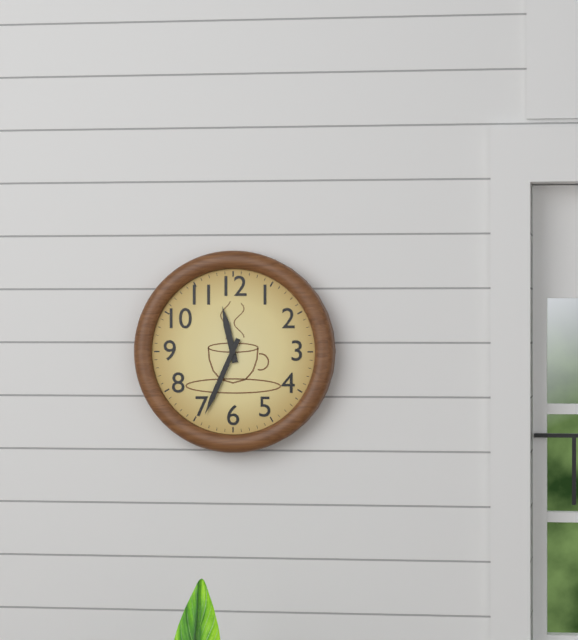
**11:34**
